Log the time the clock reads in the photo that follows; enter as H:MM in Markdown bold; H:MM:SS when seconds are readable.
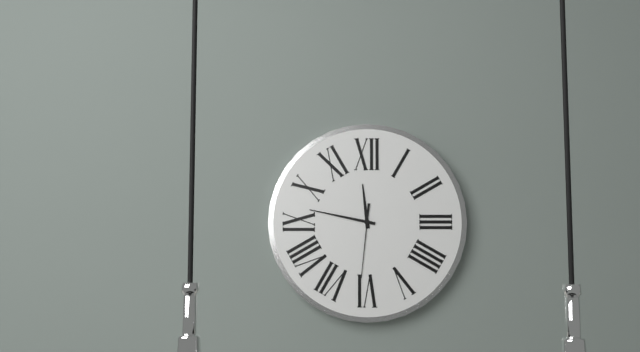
**11:47:31**
